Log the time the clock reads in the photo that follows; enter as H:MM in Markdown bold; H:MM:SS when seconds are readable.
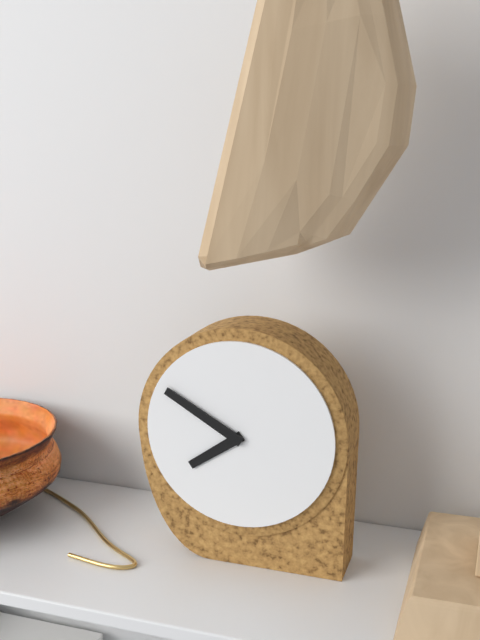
**7:50**
